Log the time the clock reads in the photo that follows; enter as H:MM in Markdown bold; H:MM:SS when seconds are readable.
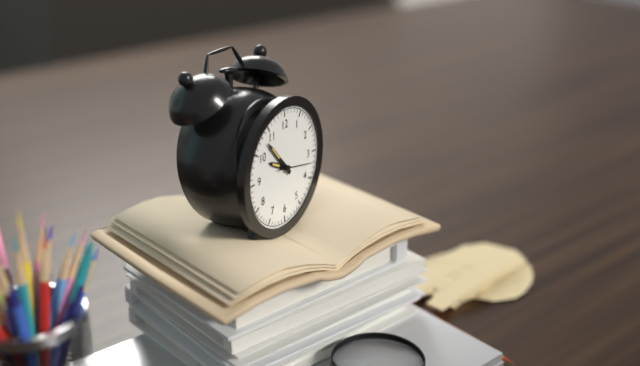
**9:53**
